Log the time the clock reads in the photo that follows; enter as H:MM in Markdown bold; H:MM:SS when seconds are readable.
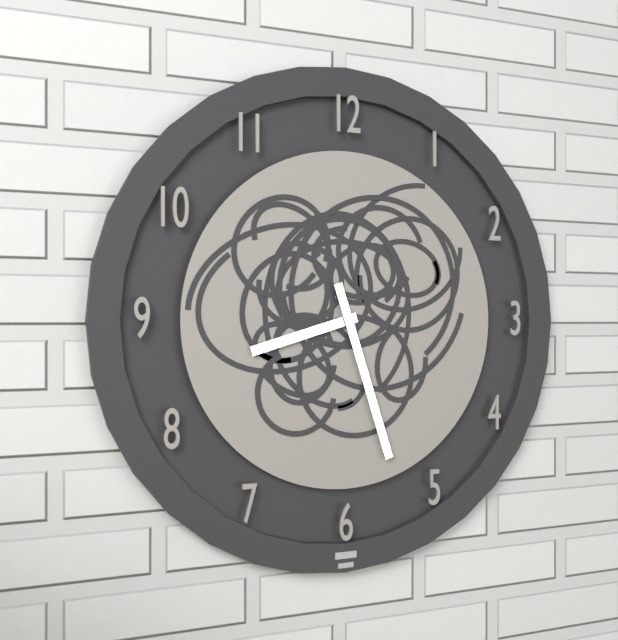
**8:27**
